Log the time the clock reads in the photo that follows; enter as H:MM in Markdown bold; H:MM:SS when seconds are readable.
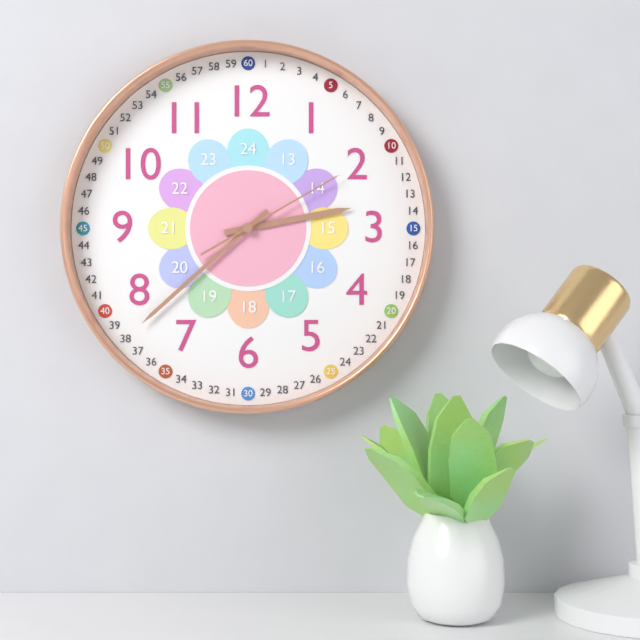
**2:38:10**
